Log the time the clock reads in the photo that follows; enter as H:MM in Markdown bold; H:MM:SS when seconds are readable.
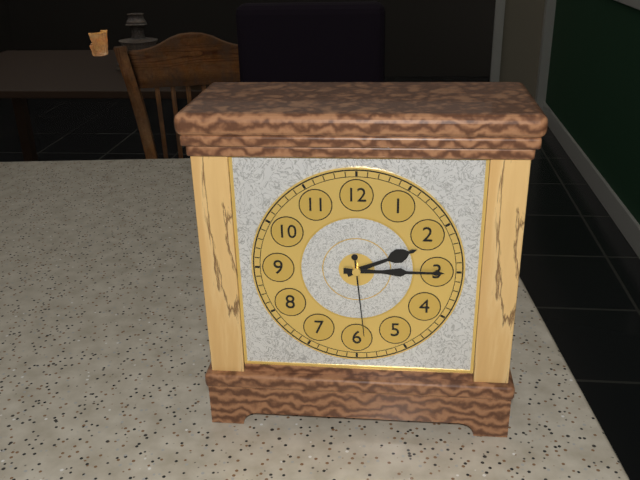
**2:15:29**
